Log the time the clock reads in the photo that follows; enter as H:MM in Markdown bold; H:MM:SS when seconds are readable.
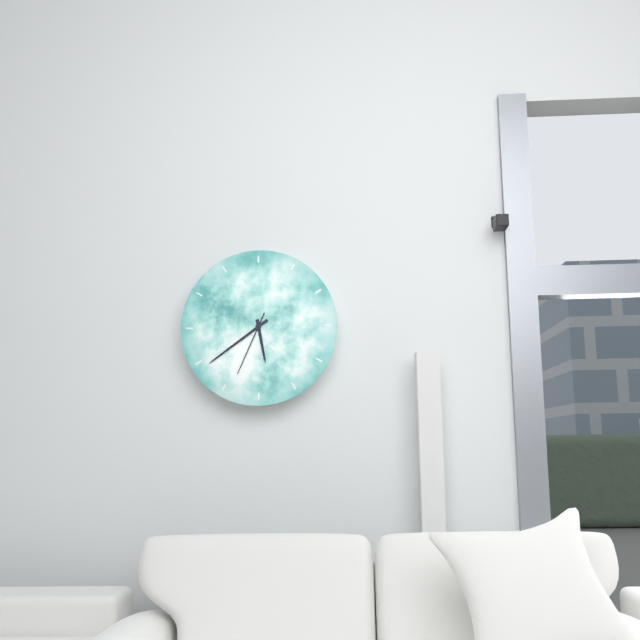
**5:39:34**
